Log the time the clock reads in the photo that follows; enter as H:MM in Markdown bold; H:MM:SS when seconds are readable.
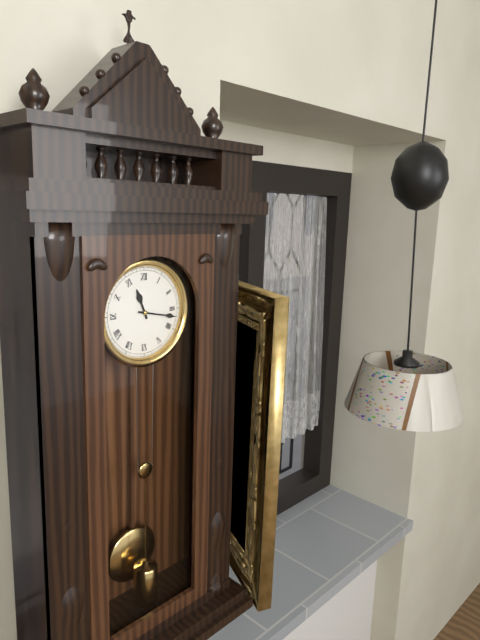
**11:17**
